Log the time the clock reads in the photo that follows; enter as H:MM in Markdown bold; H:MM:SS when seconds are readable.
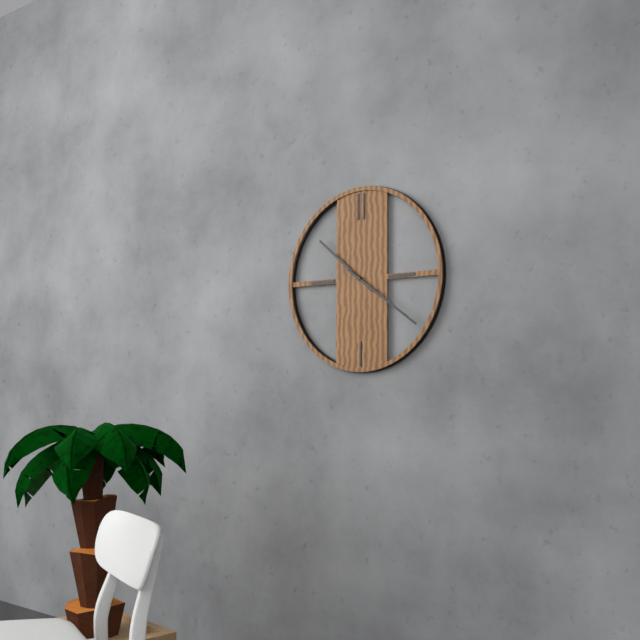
**10:21**
